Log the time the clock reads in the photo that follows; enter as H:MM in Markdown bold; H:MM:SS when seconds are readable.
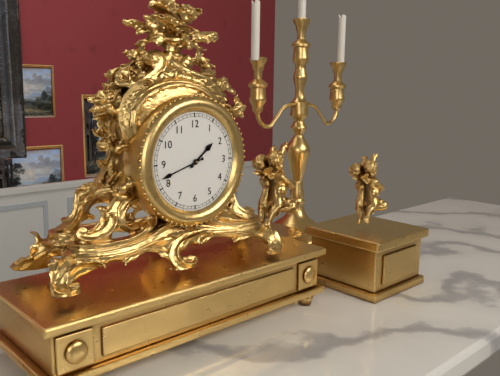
**1:42**
